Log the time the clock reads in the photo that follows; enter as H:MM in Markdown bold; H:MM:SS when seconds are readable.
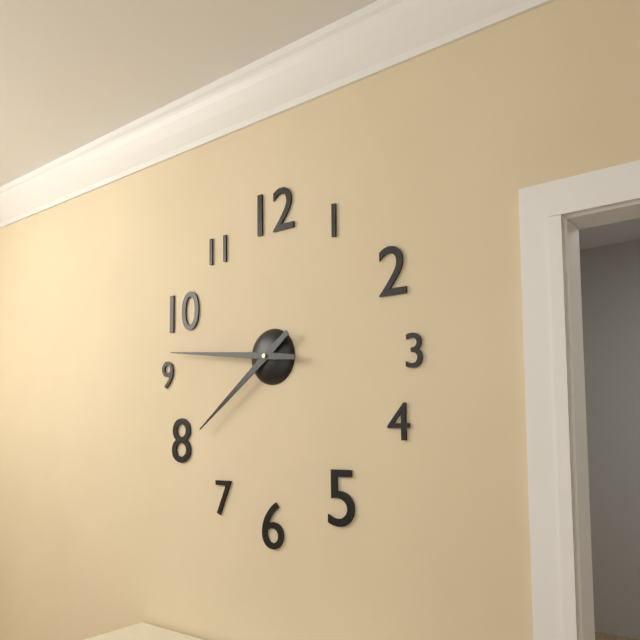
**7:46**
